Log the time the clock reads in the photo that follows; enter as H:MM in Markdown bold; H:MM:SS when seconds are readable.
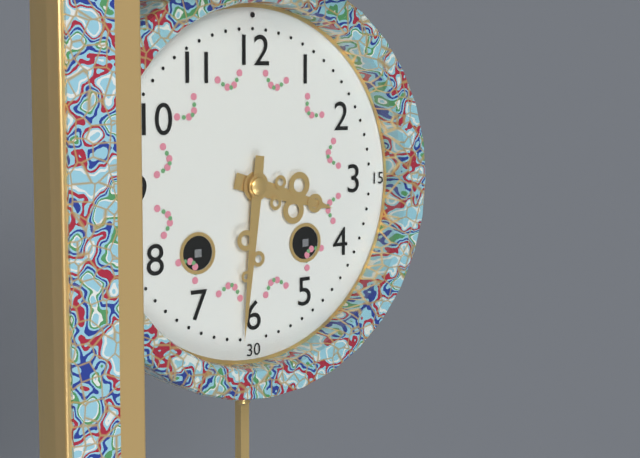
**3:31**
